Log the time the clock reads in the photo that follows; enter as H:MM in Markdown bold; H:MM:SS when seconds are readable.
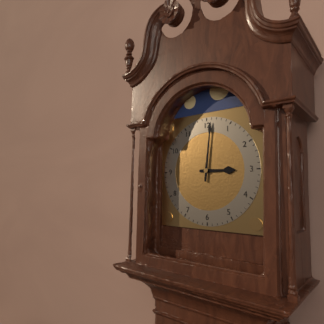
**3:01**
